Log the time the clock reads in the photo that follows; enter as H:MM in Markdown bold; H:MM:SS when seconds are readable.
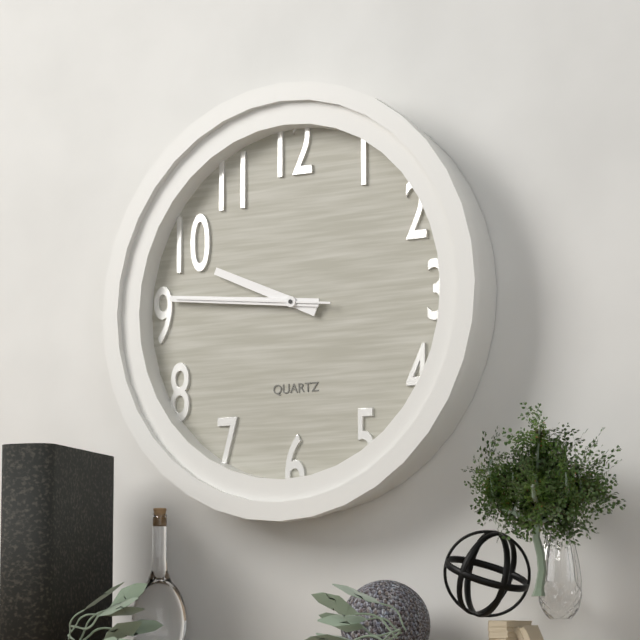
**9:46:46**
